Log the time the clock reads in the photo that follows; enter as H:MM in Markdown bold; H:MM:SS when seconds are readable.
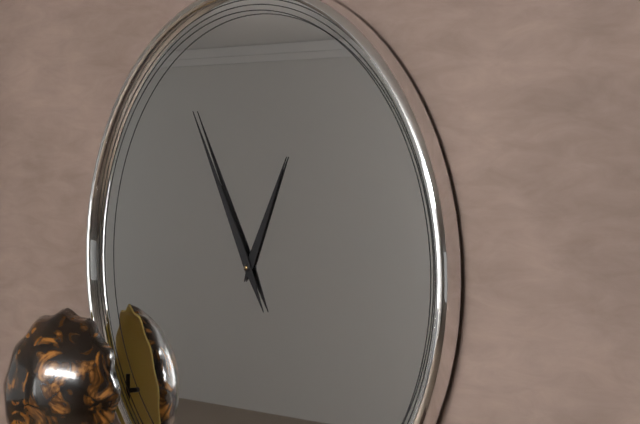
**12:55**
